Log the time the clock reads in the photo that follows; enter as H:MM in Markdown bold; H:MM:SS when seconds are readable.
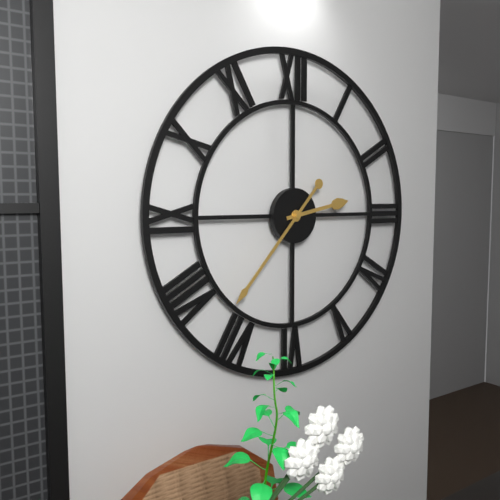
**2:37**
